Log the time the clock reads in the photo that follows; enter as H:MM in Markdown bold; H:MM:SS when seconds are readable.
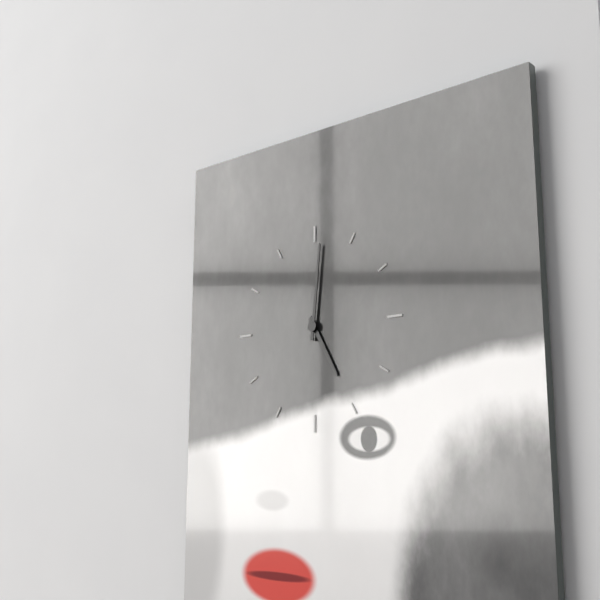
**5:01**
